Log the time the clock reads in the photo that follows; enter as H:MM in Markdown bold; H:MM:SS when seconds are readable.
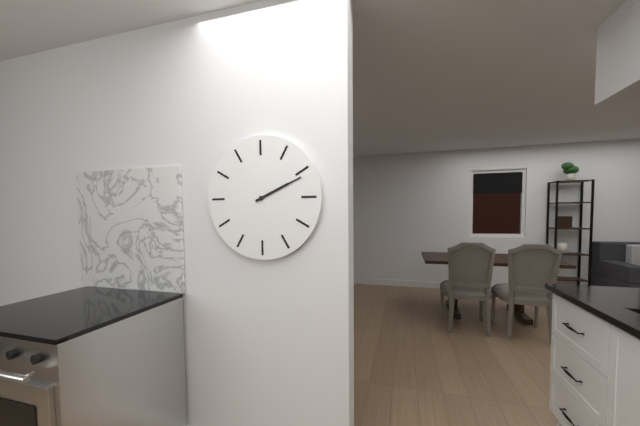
**2:11**
